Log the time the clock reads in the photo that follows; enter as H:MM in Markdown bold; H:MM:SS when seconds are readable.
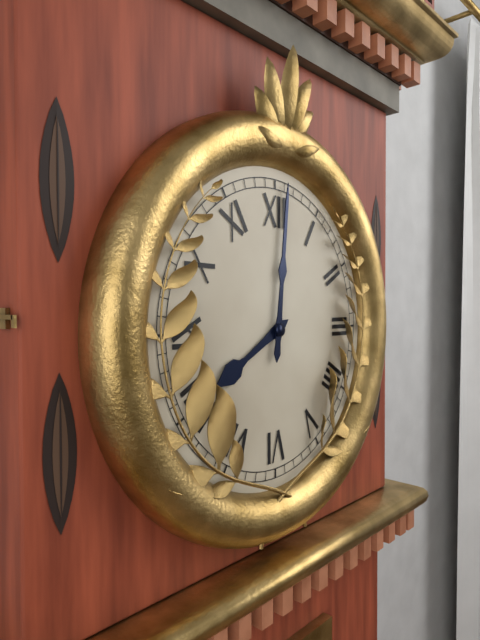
**8:01**
